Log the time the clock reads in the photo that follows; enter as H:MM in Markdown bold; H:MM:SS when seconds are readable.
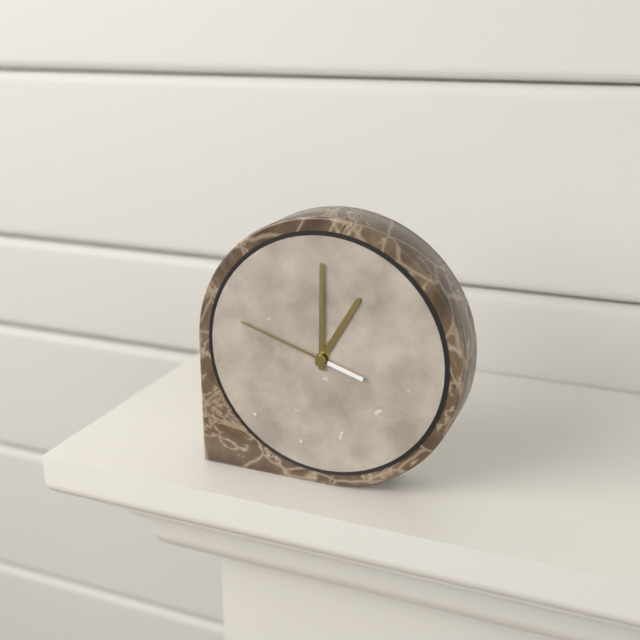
**1:00:48**
